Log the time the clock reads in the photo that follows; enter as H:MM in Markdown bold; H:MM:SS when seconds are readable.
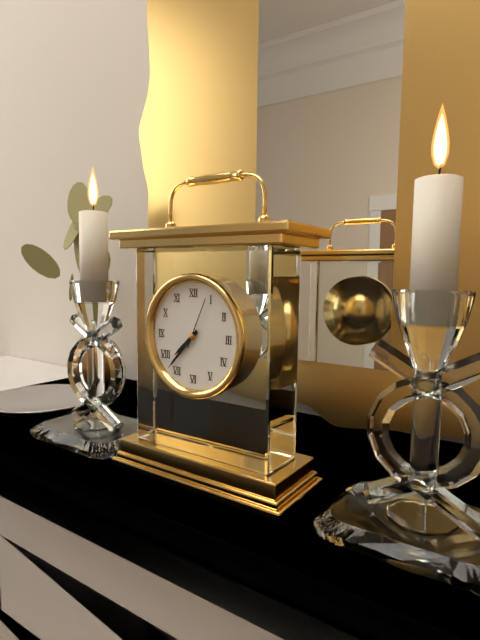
**7:37:04**
